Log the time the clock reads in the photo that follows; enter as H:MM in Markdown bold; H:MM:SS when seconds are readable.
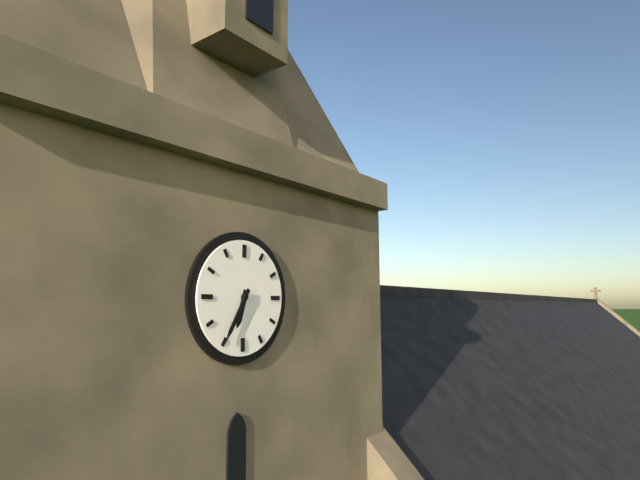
**6:35**
